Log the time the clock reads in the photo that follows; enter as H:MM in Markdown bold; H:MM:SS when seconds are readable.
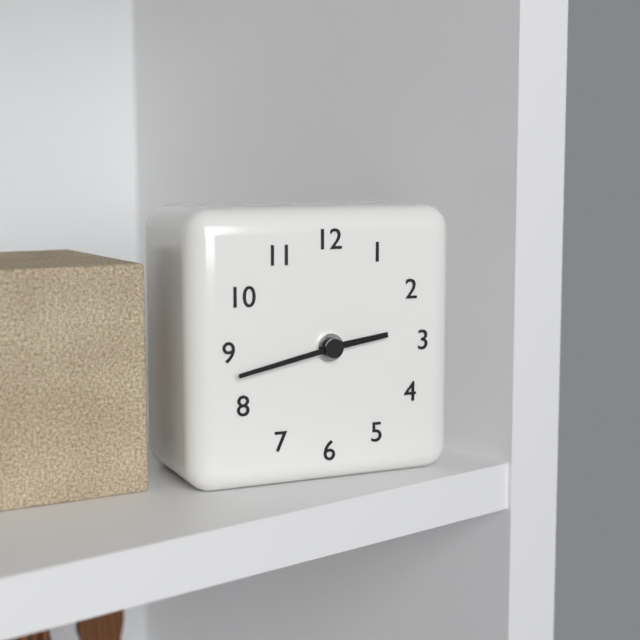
**2:43**
